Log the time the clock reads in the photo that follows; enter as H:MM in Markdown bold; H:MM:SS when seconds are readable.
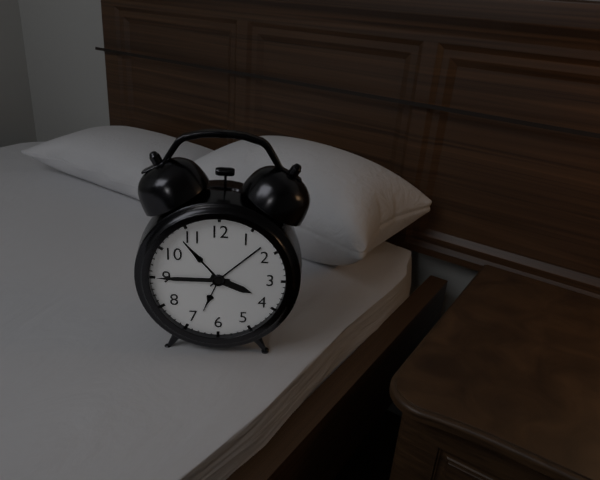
**3:45**
